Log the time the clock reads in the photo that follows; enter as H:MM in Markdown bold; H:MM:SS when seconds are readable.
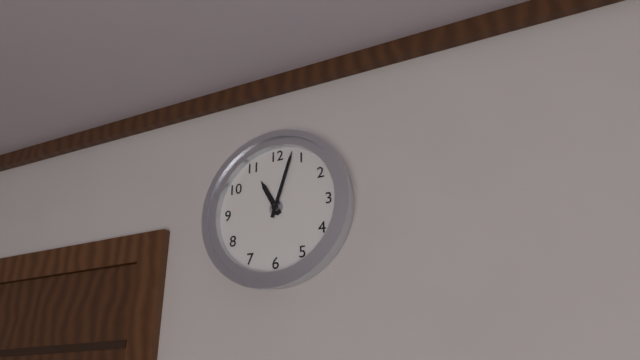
**11:03**
